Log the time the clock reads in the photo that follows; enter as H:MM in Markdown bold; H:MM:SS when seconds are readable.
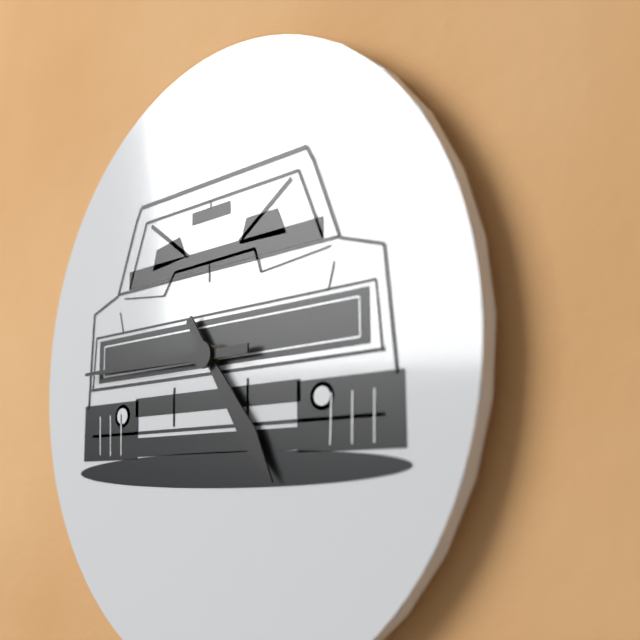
**4:45**
